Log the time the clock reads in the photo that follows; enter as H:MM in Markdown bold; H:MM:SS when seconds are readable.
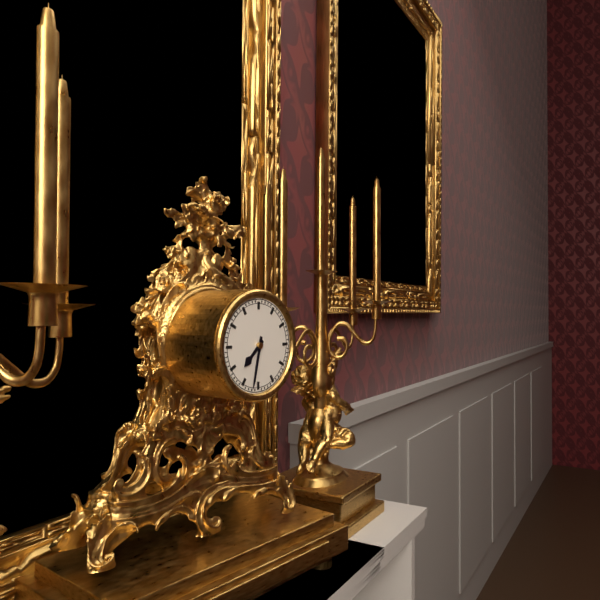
**7:32**
